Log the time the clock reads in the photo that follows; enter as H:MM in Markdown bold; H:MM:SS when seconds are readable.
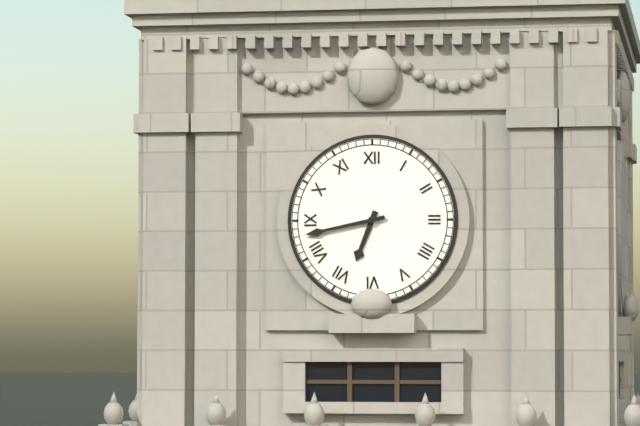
**6:43**
